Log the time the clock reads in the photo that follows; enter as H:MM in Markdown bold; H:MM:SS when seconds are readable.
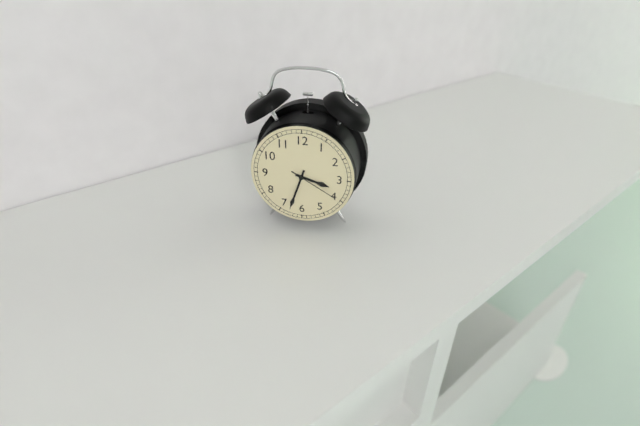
**3:33:20**
